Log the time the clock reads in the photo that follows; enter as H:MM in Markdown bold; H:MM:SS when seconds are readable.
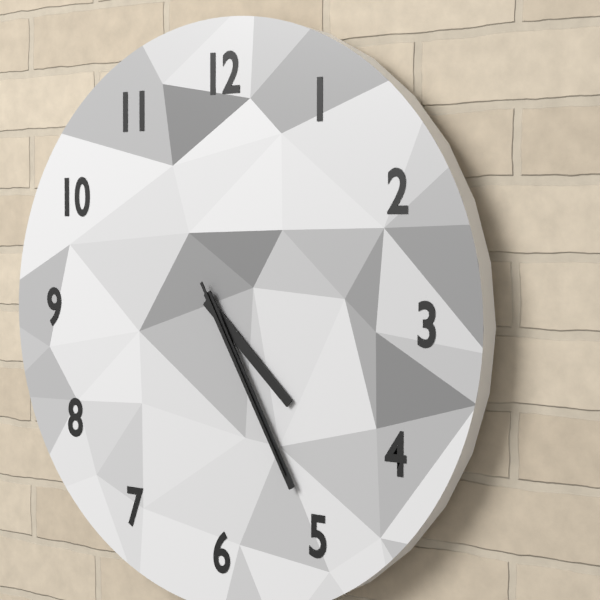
**4:25:25**
